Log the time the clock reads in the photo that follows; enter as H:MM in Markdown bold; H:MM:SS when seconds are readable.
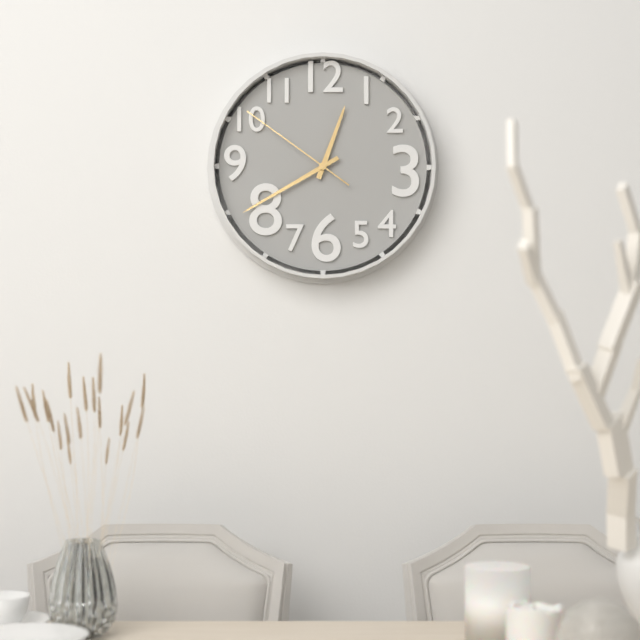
**12:40:51**
